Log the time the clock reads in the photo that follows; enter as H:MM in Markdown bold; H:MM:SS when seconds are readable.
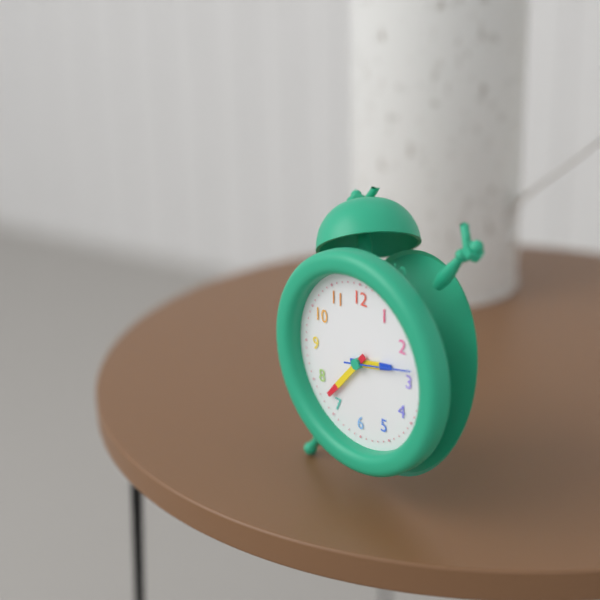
**2:37:13**
